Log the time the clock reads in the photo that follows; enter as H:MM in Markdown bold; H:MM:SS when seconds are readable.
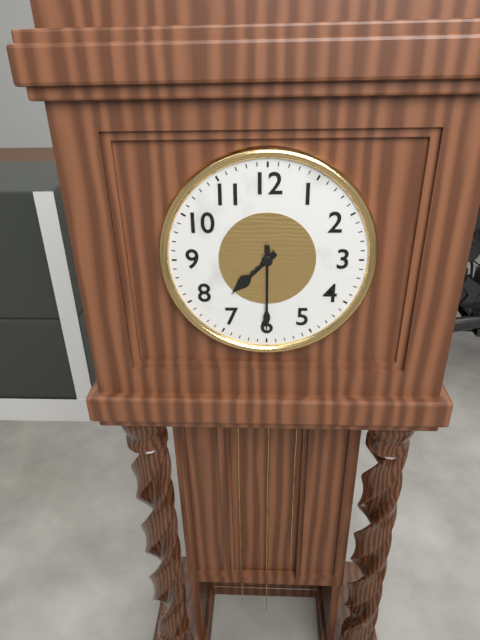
**7:30**
